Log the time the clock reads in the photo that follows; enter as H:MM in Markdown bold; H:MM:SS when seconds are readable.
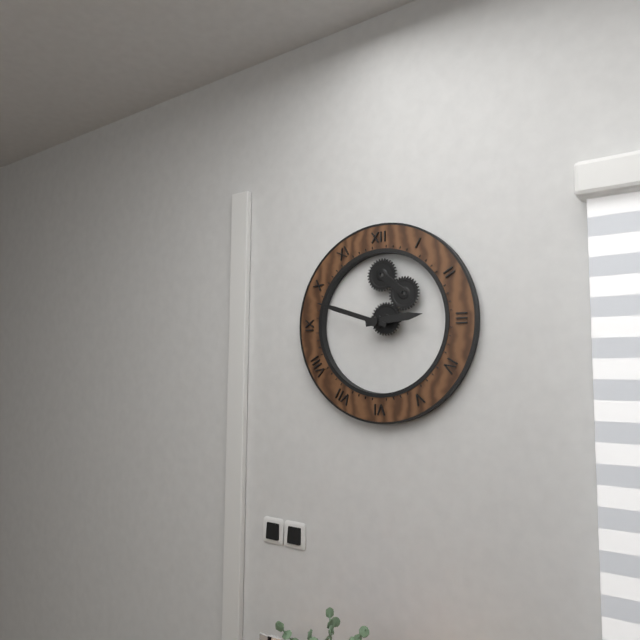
**2:48**
